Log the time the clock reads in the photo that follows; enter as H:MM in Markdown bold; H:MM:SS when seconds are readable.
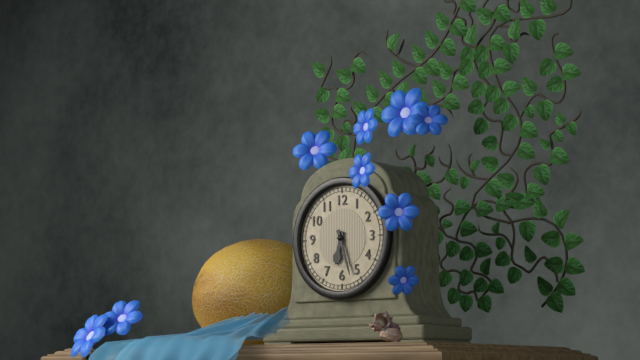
**6:27**
